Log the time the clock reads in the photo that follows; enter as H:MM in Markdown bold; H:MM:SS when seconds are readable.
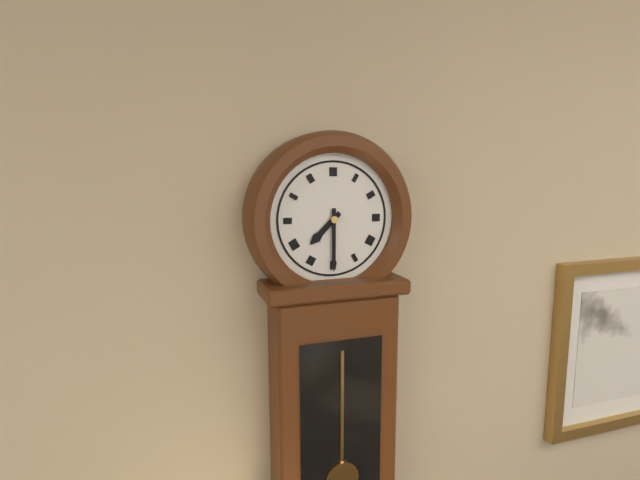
**7:30**
